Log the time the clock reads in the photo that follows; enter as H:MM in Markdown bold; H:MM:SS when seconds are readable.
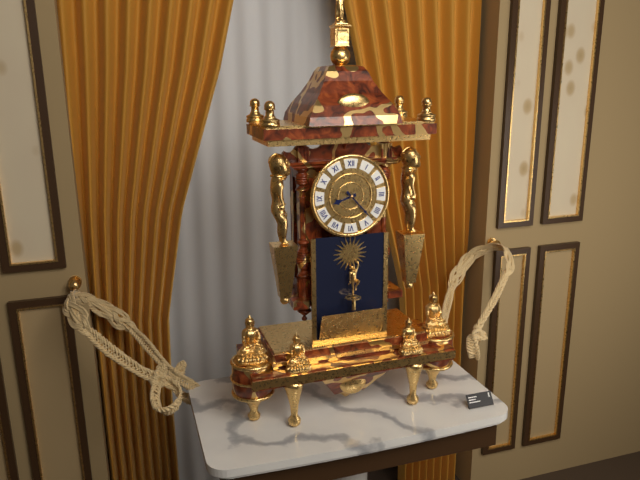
**8:23**
